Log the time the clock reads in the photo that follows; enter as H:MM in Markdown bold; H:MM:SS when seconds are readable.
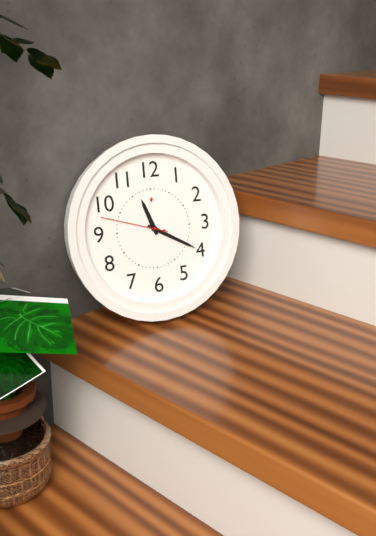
**11:20:48**
